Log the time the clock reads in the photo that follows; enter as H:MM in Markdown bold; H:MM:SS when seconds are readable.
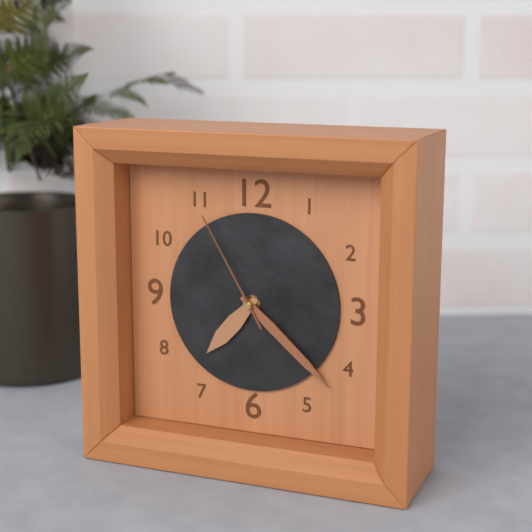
**7:22:55**
